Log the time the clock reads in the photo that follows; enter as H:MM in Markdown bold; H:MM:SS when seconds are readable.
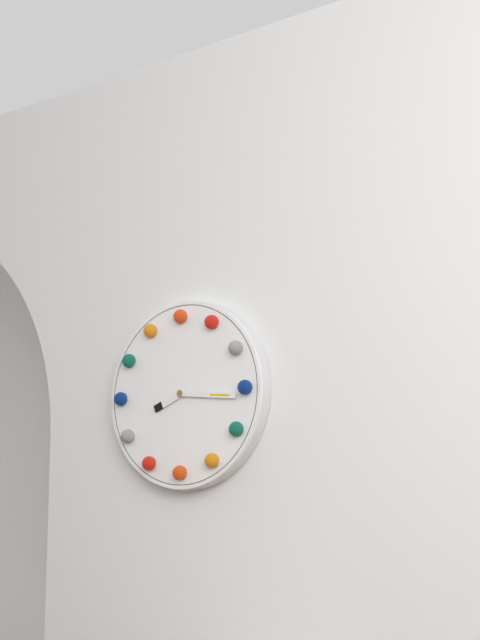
**8:16**
